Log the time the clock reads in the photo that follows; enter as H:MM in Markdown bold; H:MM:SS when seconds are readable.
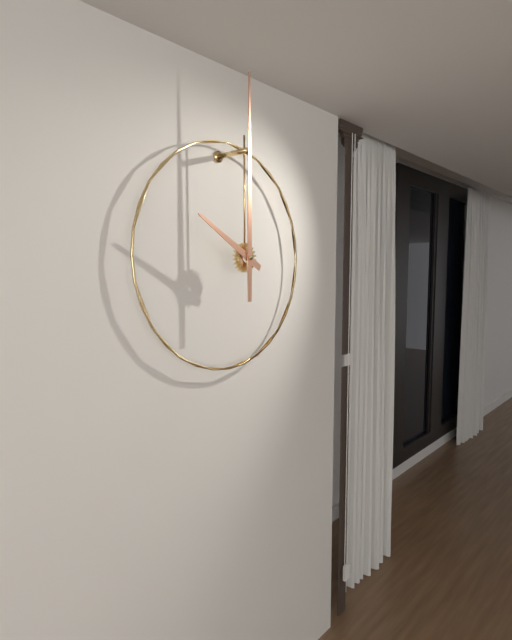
**10:00**
